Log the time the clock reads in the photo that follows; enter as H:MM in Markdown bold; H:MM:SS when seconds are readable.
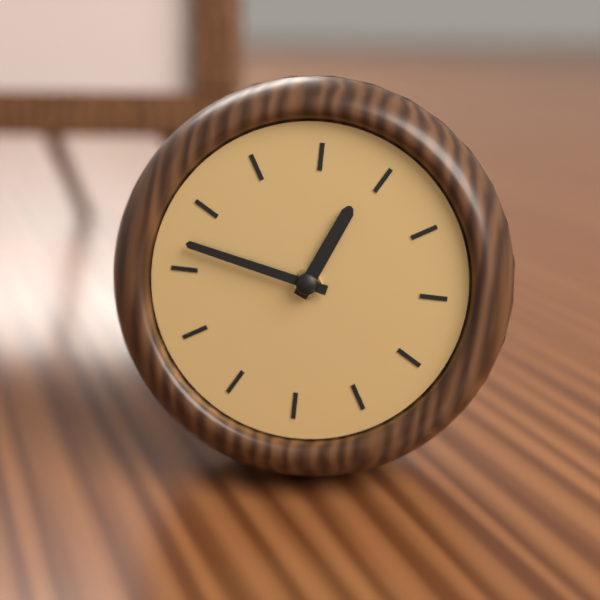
**12:47**
